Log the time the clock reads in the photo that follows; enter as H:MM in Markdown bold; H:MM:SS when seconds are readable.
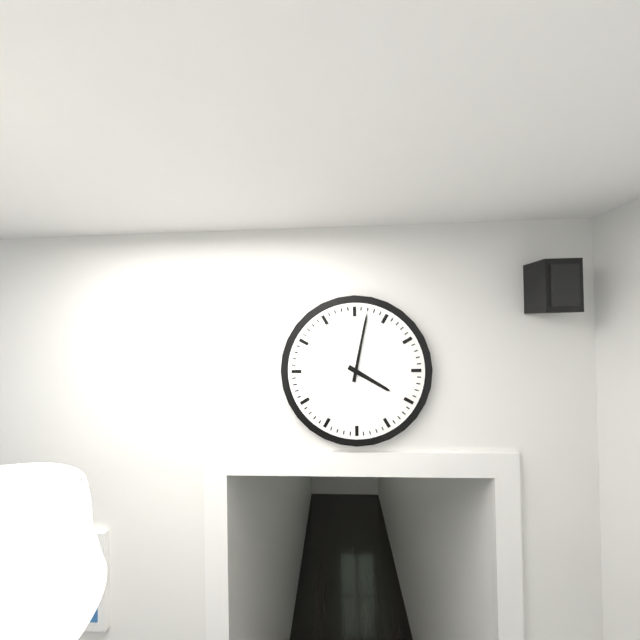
**4:02**
